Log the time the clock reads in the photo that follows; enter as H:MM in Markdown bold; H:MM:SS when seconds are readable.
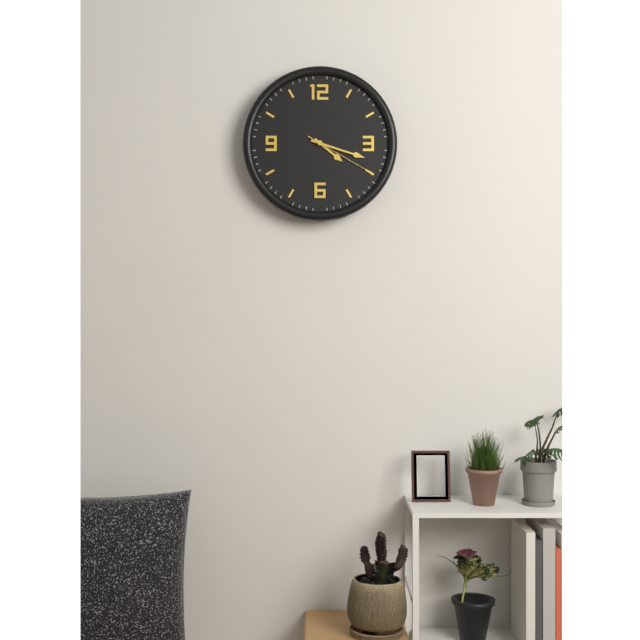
**4:18:20**
